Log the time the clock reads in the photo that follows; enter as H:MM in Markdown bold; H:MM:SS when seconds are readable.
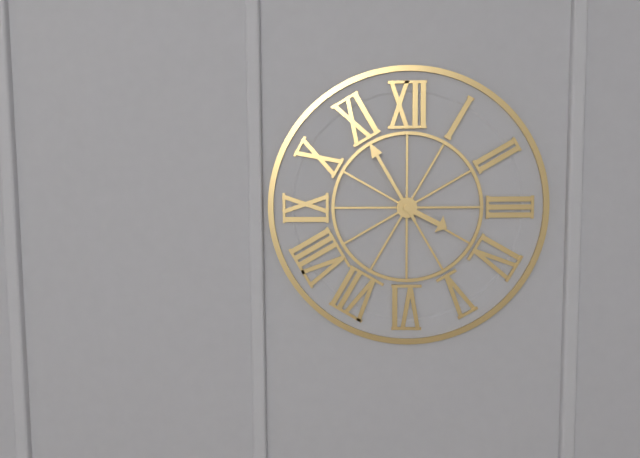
**3:55**
